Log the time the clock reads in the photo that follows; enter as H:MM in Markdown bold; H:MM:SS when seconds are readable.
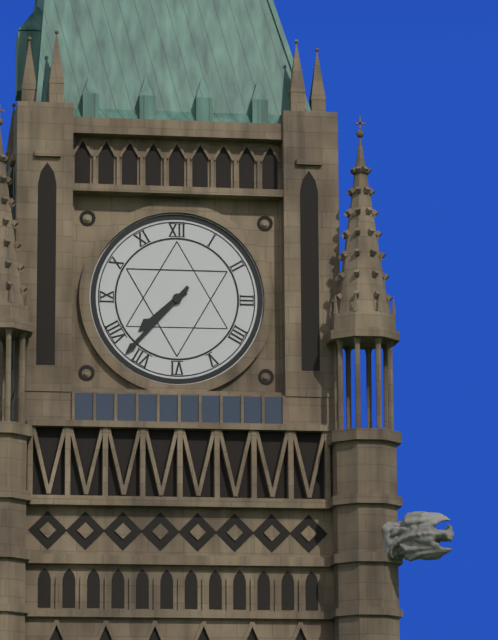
**7:37**
